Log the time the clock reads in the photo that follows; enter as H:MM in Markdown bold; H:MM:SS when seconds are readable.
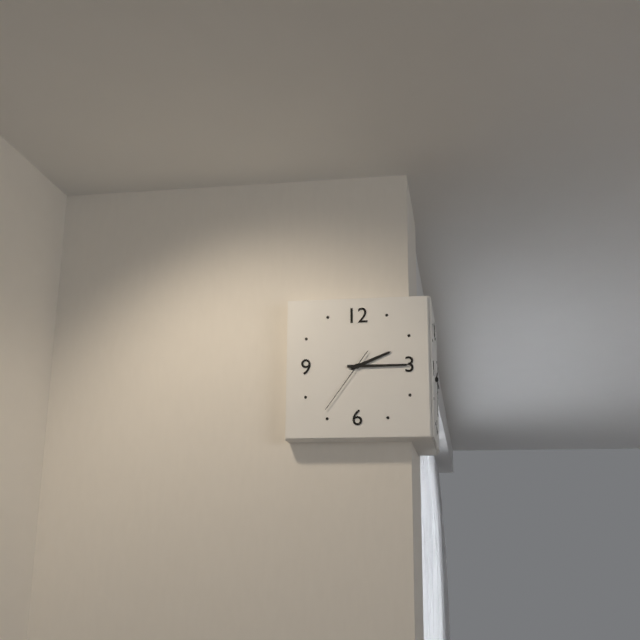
**2:15:36**
